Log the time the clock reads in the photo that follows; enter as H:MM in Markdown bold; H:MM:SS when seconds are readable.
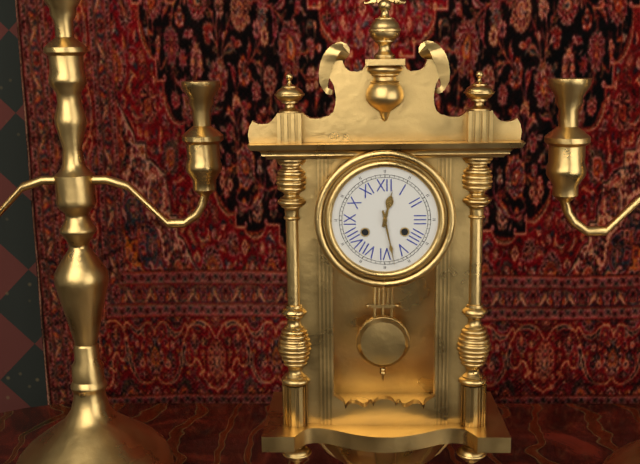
**12:28**
